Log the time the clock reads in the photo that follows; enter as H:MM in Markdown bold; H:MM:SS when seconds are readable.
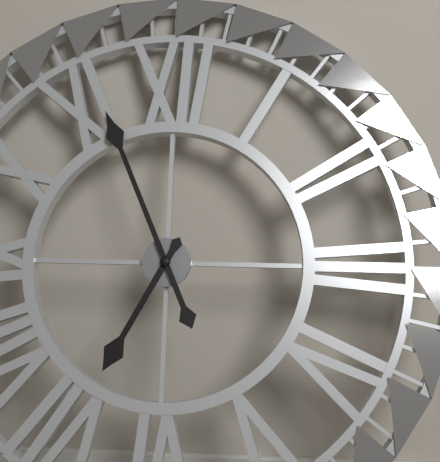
**6:56**
